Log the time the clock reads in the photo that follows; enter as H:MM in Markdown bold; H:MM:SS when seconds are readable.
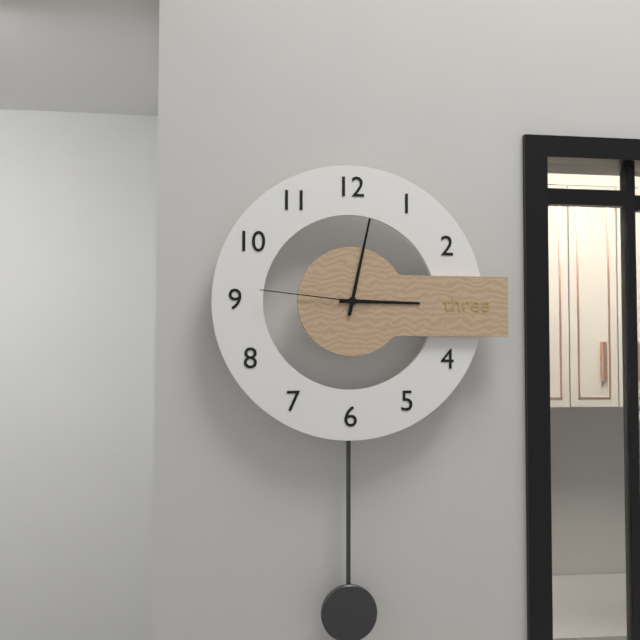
**3:02:46**
